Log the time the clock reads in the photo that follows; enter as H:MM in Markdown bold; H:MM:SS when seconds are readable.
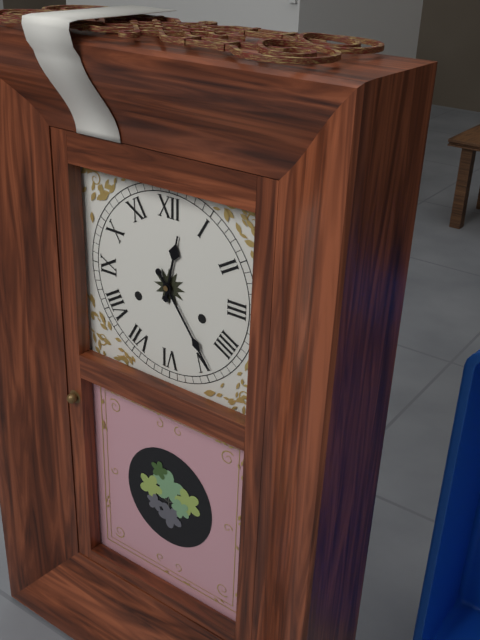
**12:24**
